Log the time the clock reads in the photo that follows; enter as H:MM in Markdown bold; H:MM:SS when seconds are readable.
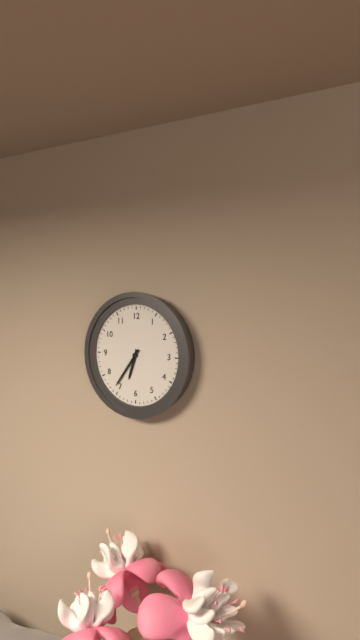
**6:36**
